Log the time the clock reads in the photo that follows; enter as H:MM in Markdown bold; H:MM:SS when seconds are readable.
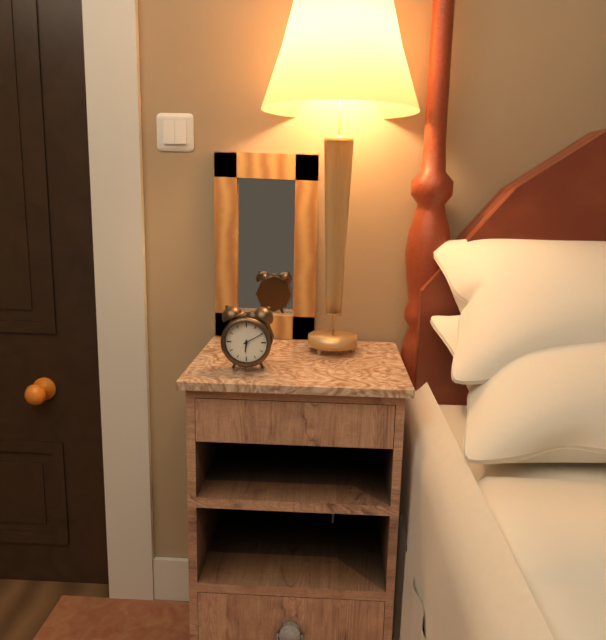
**6:10**
